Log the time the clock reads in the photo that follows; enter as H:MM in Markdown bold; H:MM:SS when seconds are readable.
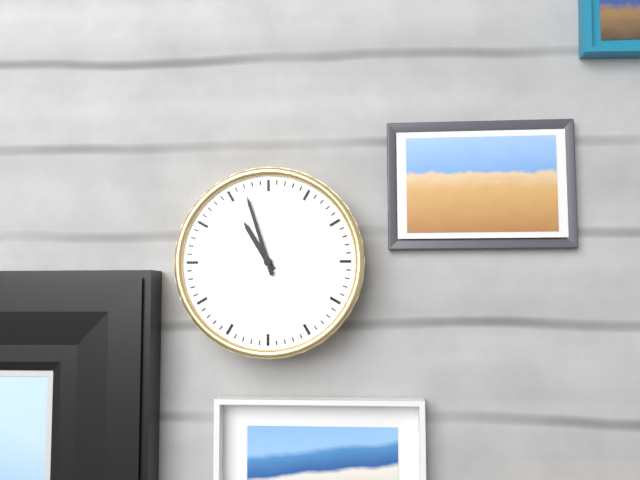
**10:57**
